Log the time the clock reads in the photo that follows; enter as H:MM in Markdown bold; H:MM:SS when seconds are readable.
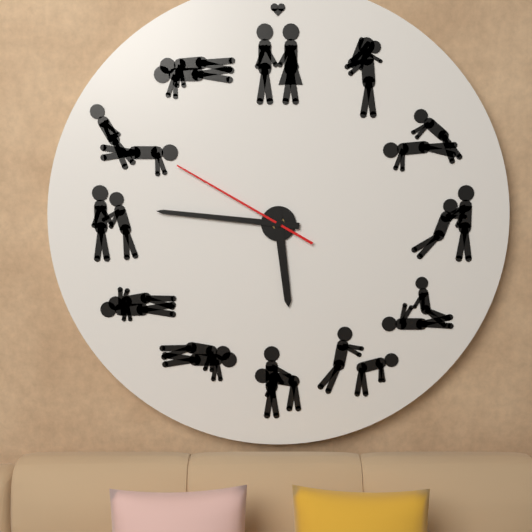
**5:46:50**
